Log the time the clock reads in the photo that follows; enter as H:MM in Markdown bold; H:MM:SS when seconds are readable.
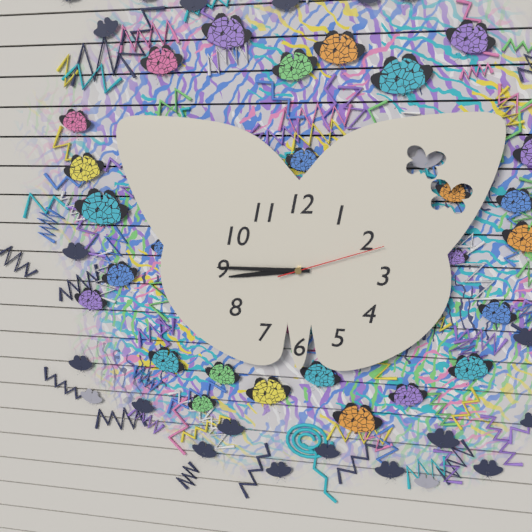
**8:45:12**
